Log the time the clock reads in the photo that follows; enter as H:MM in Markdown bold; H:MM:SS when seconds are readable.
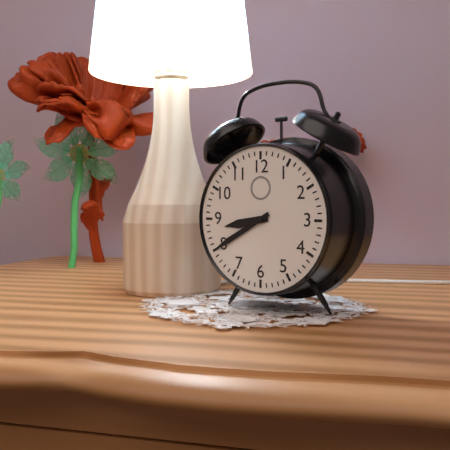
**8:40**
